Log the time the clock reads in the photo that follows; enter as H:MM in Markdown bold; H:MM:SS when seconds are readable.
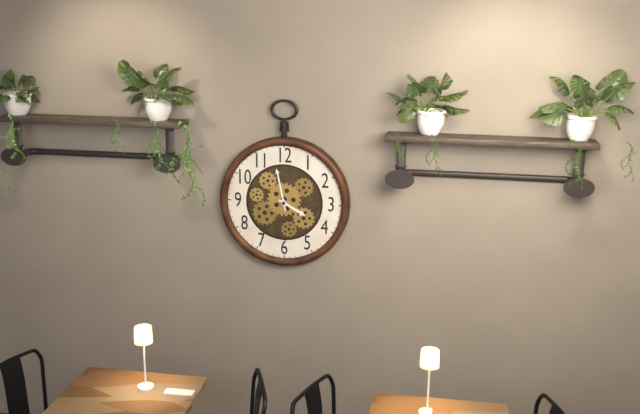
**3:58**
